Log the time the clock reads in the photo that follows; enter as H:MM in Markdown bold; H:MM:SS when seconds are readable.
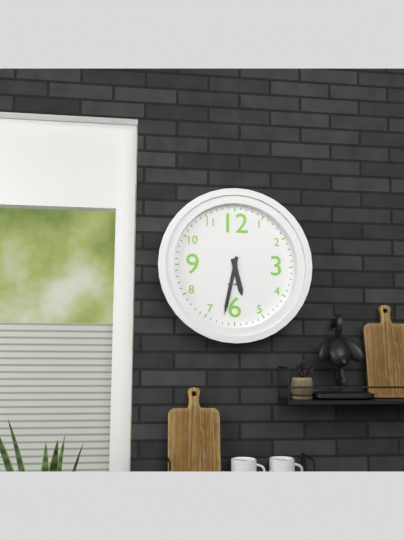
**5:32**
